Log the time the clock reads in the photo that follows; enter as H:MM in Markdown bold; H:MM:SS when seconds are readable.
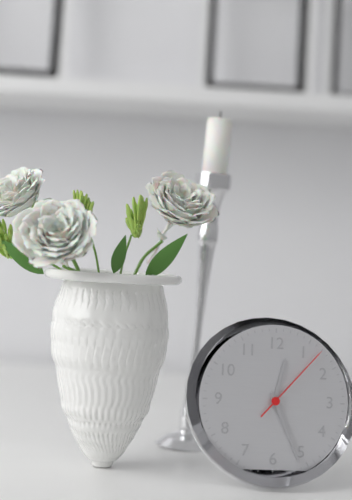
**12:26:07**
